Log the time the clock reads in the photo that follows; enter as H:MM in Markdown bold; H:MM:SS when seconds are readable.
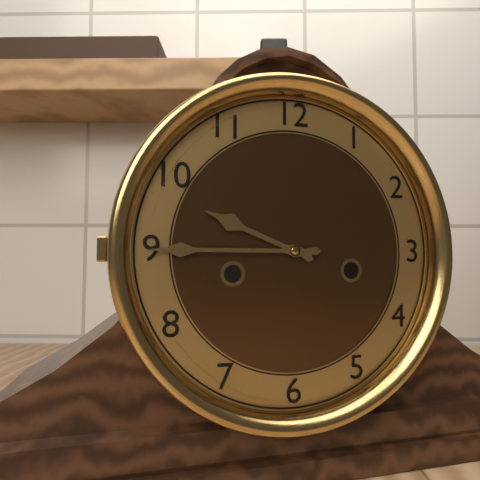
**9:45**
